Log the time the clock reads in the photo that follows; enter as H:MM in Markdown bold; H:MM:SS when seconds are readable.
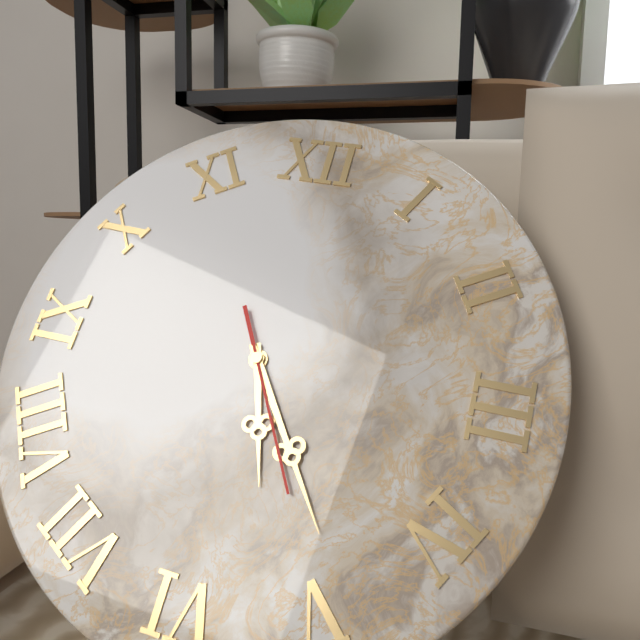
**5:24:25**
